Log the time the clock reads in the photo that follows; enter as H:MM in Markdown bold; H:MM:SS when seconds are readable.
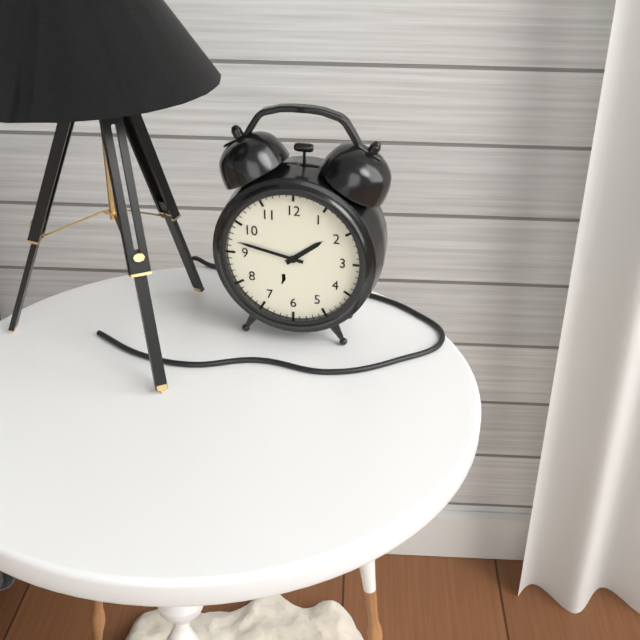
**1:47**
